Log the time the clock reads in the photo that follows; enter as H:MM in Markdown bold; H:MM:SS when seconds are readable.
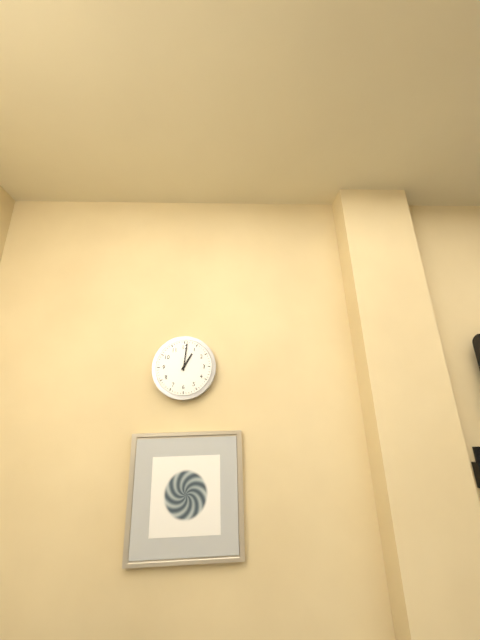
**1:01**
